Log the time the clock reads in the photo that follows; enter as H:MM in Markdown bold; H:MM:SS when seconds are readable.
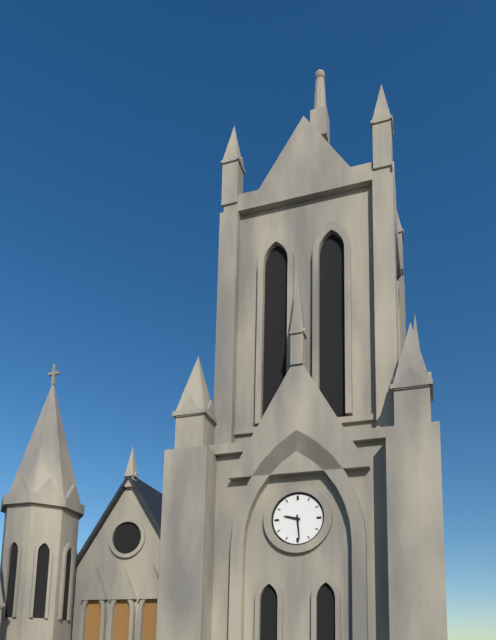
**9:29**
